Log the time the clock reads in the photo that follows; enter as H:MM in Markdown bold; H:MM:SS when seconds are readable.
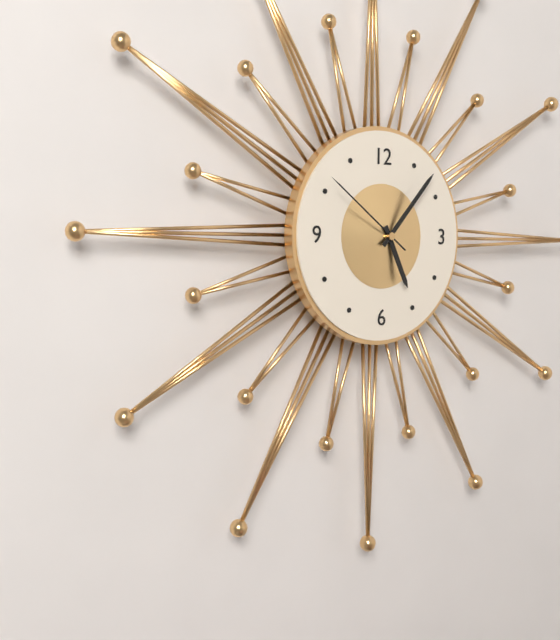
**5:07:51**
